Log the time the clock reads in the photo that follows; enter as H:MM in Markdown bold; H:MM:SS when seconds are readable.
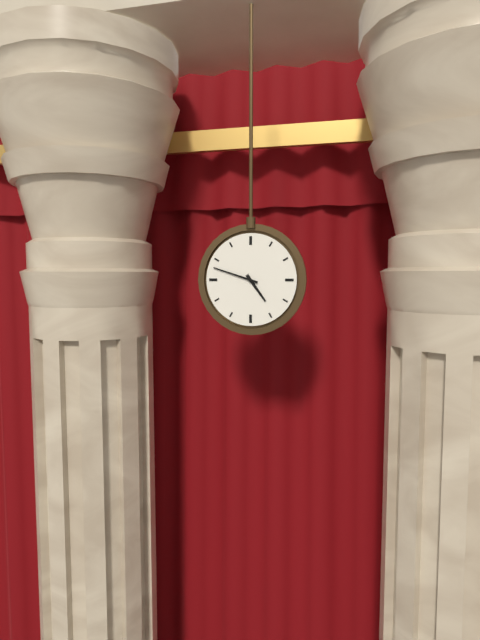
**4:48**
